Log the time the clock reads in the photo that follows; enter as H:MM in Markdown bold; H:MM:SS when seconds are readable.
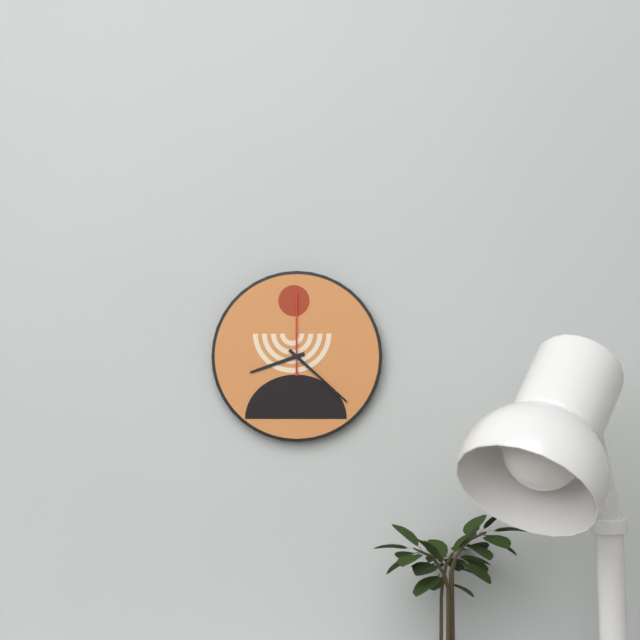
**8:22:00**
